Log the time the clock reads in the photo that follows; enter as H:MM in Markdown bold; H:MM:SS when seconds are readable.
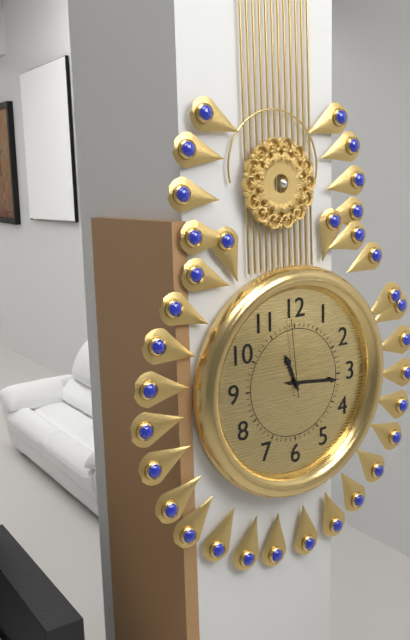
**11:16:59**
